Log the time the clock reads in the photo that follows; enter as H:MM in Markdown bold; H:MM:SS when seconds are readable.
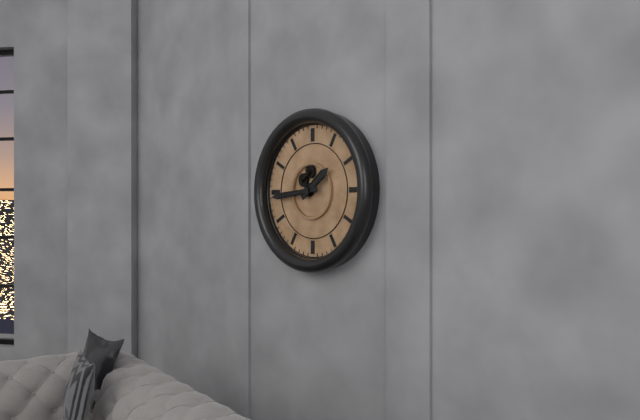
**1:44**
